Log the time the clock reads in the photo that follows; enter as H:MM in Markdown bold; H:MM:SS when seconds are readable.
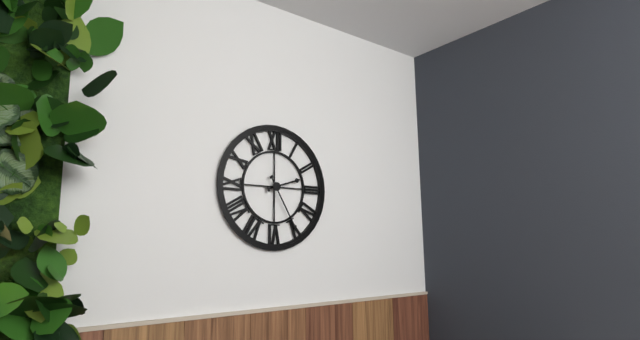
**2:25**
